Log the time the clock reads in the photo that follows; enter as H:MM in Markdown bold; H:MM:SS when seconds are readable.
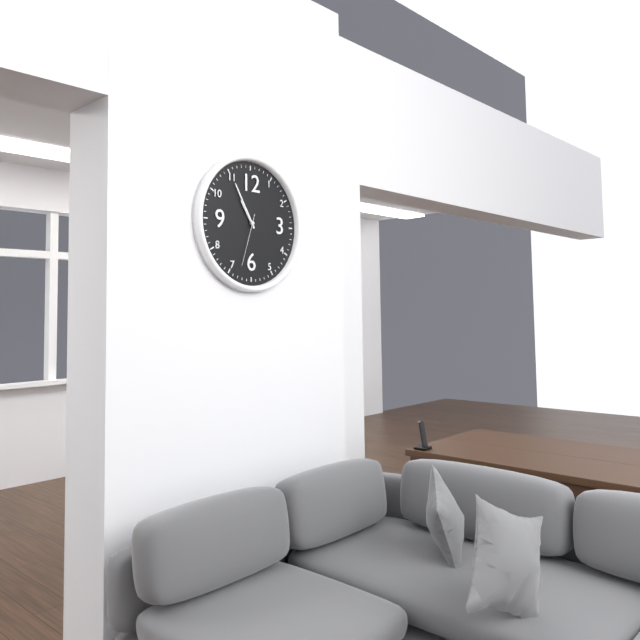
**10:55:33**
